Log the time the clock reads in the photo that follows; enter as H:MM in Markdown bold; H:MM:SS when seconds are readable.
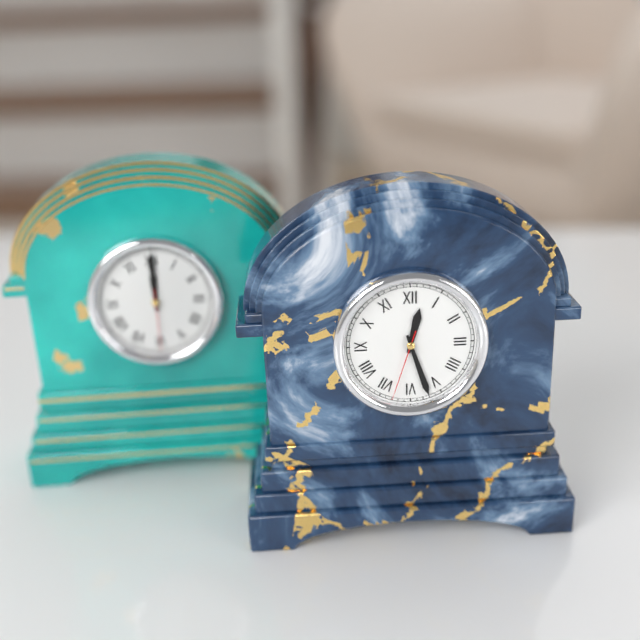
**12:27:33**
